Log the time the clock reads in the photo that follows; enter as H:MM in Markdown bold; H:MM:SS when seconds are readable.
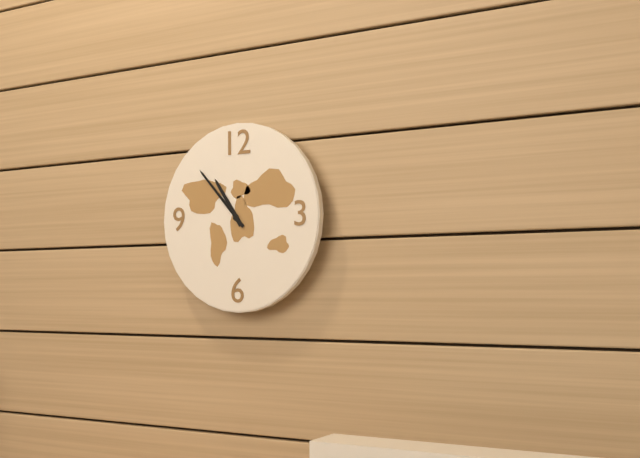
**10:53**
